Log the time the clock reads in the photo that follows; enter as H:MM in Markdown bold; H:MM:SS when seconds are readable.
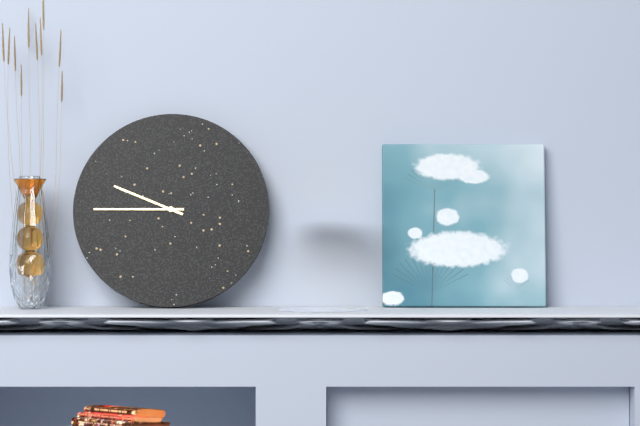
**9:45**
